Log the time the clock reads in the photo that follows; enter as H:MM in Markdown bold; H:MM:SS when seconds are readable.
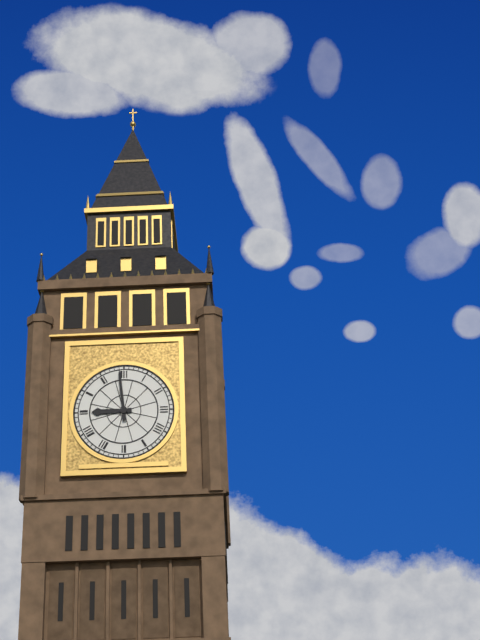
**8:59**
